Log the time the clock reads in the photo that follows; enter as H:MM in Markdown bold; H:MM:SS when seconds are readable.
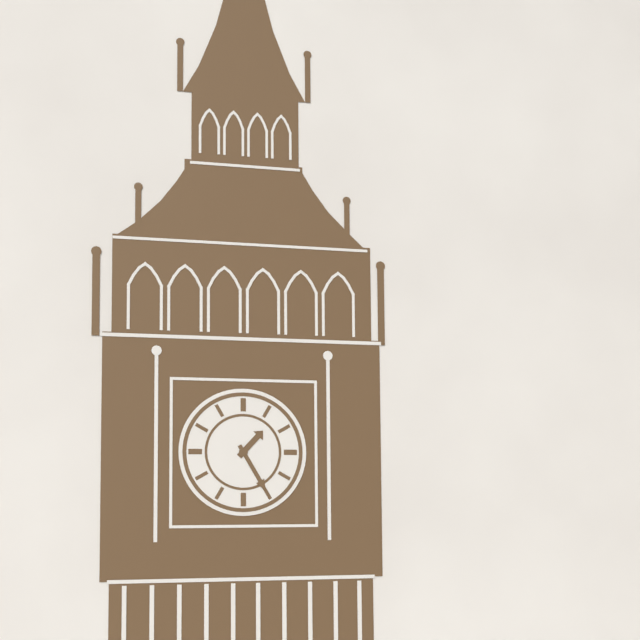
**1:25**
